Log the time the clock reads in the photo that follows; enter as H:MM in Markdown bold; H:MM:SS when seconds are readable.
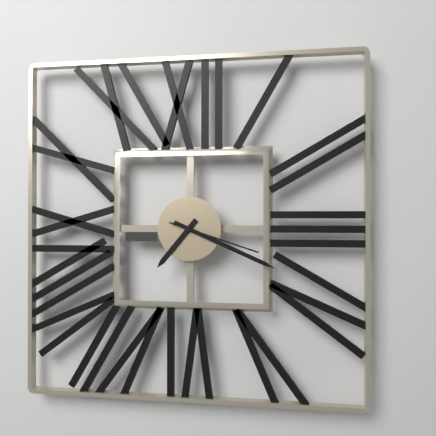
**7:19:18**
